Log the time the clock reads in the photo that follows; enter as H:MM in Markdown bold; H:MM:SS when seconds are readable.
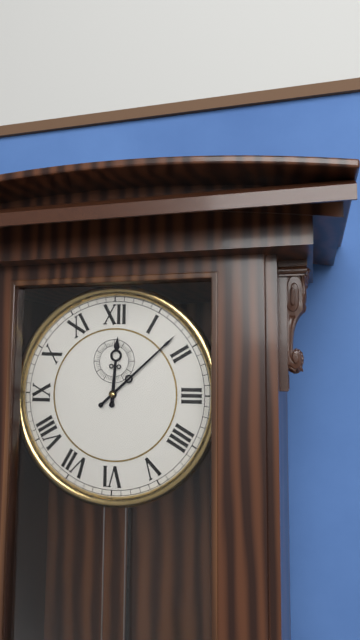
**12:08**
